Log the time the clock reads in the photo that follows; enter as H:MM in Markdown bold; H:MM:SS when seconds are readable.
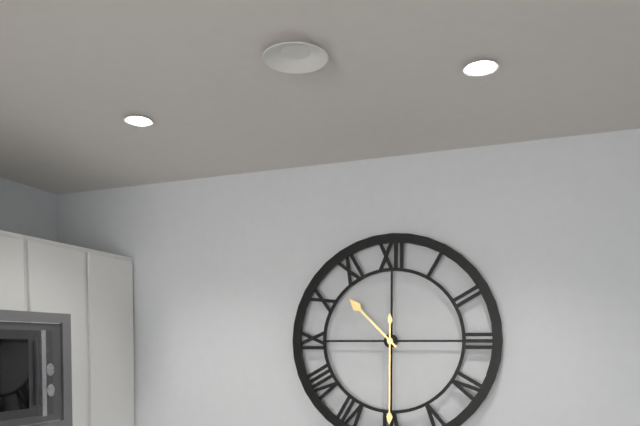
**10:30**
